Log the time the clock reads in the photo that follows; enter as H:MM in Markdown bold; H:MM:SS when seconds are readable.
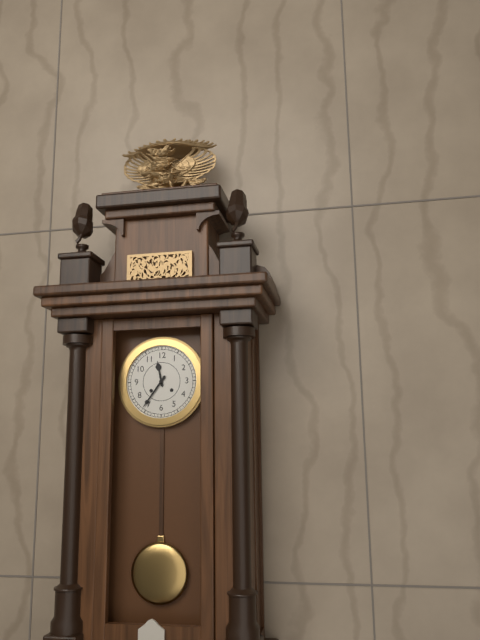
**11:36**
